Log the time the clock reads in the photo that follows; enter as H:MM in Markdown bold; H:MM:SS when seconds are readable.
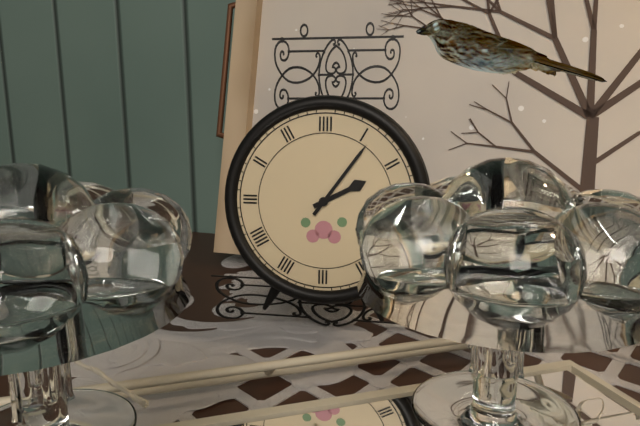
**2:06**
